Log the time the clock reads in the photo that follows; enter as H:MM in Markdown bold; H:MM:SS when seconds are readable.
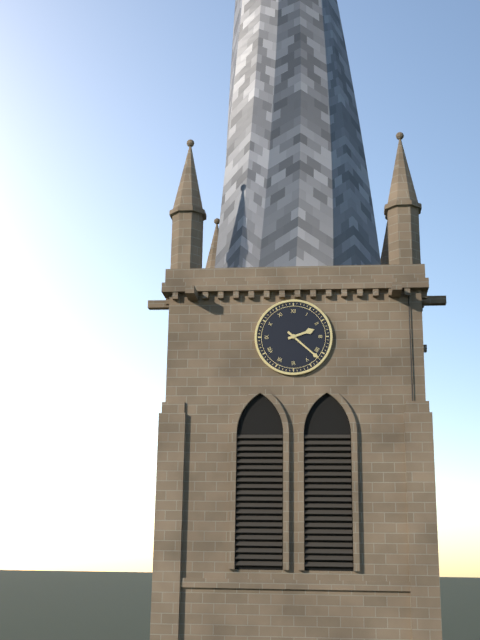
**2:22**
